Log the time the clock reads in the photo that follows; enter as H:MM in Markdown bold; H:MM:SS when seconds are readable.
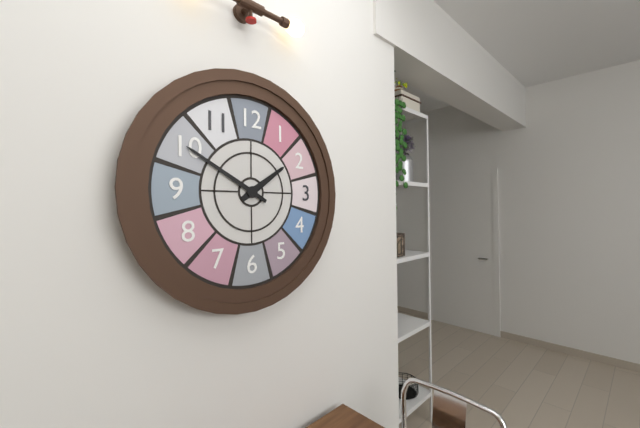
**1:50**
